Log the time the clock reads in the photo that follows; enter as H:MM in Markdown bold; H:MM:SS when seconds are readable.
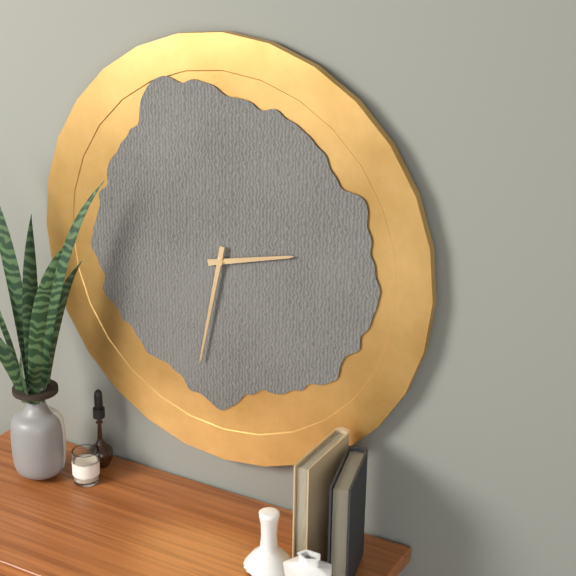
**2:32**
